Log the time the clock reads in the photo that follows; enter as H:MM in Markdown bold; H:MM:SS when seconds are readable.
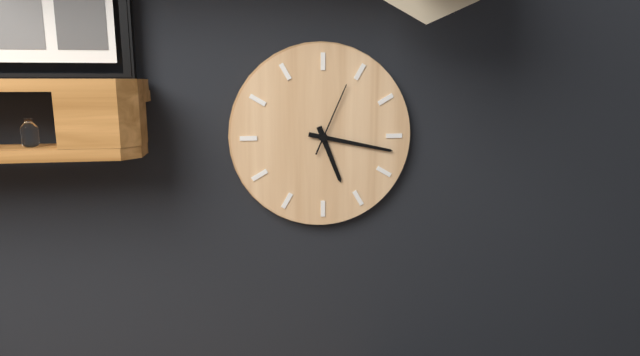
**5:17:04**
